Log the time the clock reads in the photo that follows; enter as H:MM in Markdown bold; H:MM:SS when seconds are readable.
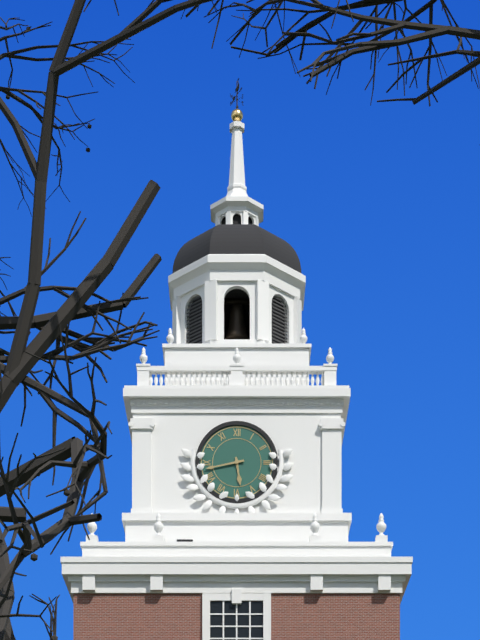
**5:43**
